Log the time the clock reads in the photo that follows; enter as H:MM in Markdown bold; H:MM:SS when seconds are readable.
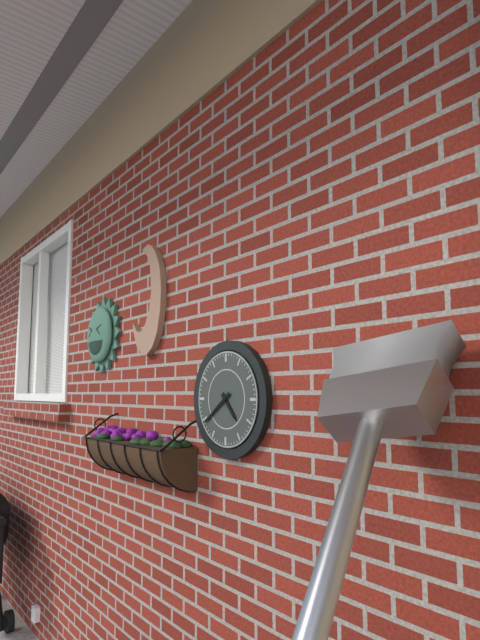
**4:39**
